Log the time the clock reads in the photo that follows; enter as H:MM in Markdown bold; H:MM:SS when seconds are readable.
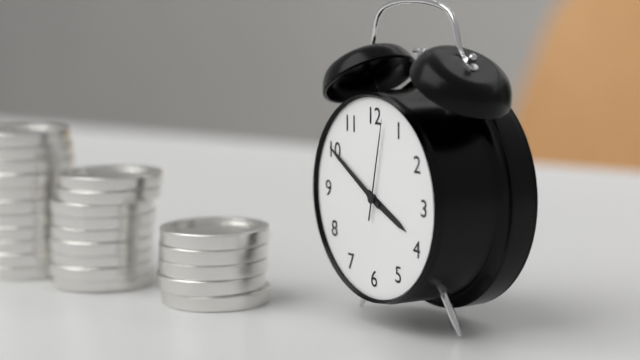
**3:50:02**
